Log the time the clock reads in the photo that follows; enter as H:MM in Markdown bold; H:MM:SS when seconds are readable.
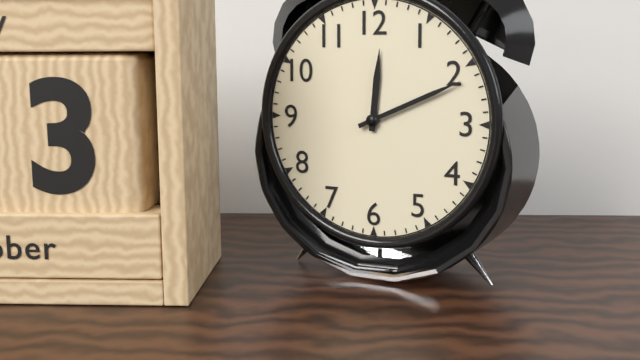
**12:11**
